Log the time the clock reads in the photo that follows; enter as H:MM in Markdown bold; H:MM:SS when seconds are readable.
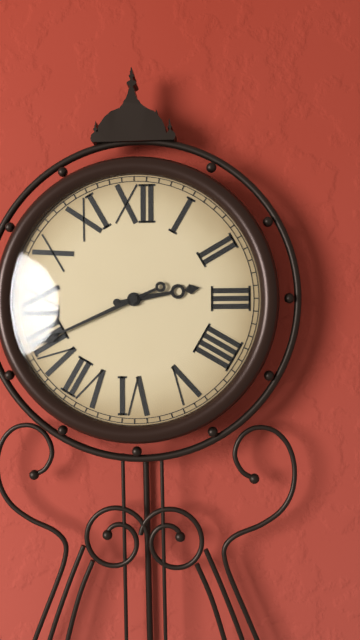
**2:41**
